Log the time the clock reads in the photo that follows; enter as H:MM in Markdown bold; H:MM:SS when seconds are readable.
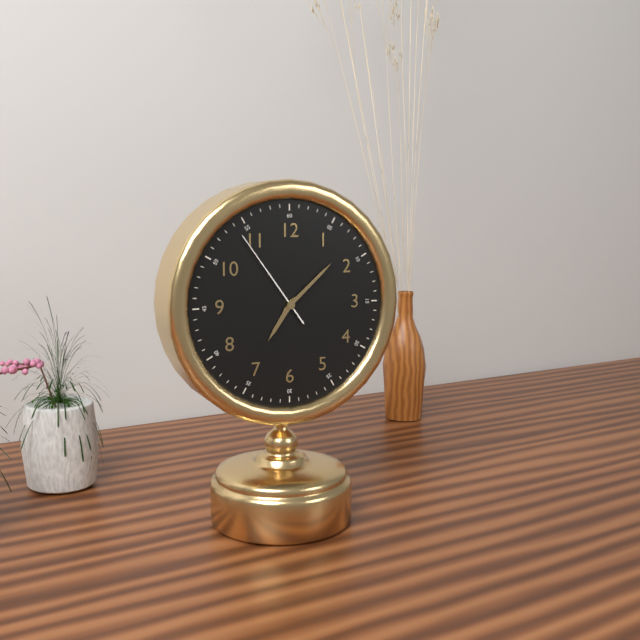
**7:08:54**
